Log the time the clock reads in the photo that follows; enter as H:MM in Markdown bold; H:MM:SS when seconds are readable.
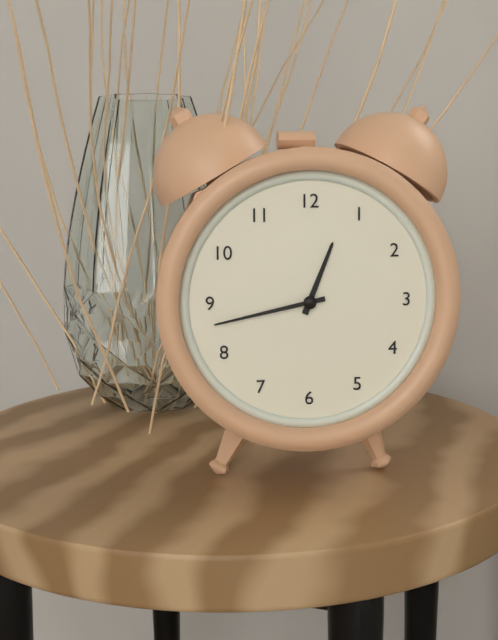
**12:43**
